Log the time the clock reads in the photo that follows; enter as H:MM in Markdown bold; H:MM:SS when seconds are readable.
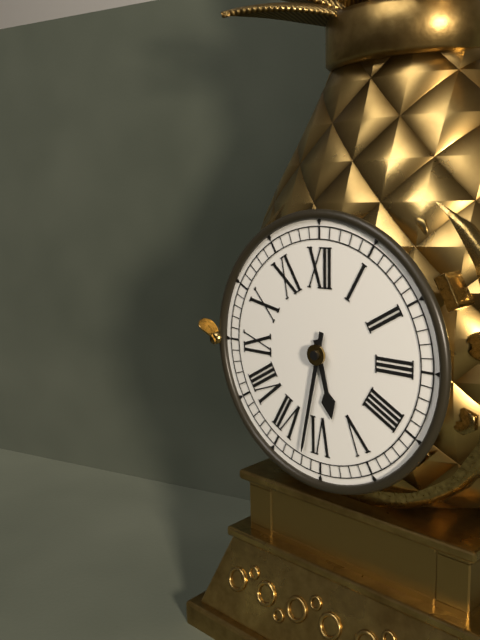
**5:32**
